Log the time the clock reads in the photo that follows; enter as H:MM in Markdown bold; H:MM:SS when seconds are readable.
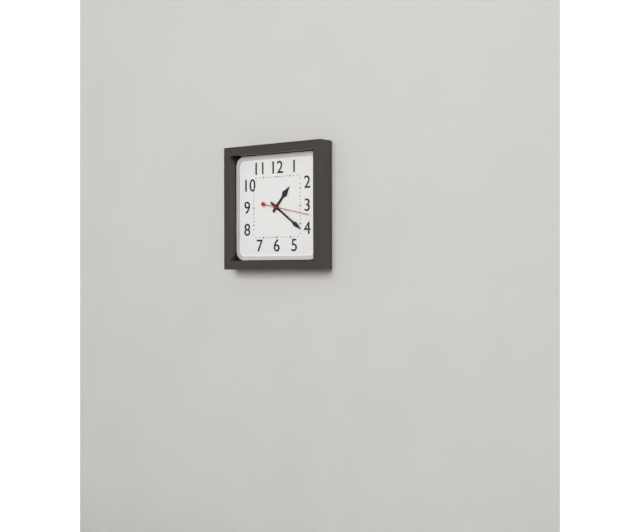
**1:21**
